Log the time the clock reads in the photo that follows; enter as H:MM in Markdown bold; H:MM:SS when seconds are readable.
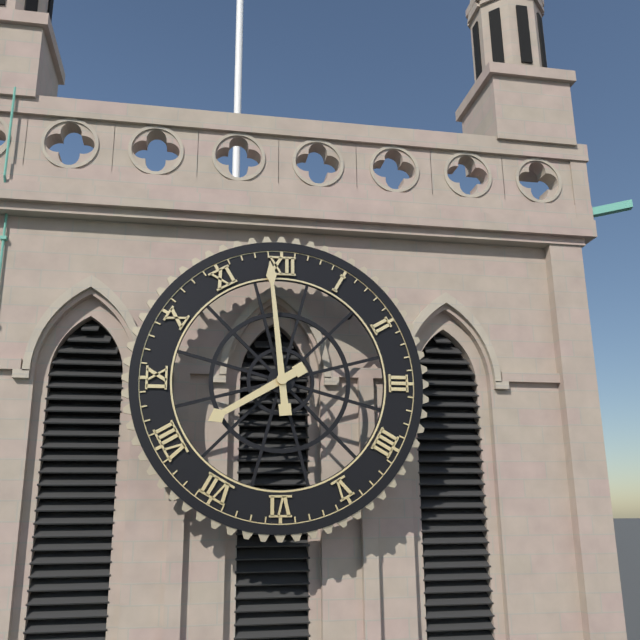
**7:59**
